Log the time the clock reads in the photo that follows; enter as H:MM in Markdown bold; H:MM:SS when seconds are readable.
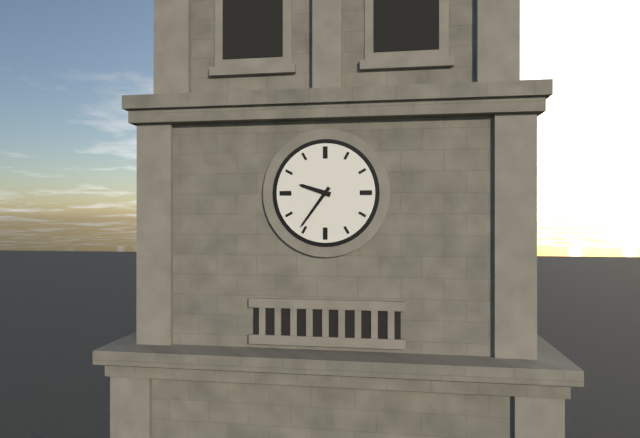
**9:36**
